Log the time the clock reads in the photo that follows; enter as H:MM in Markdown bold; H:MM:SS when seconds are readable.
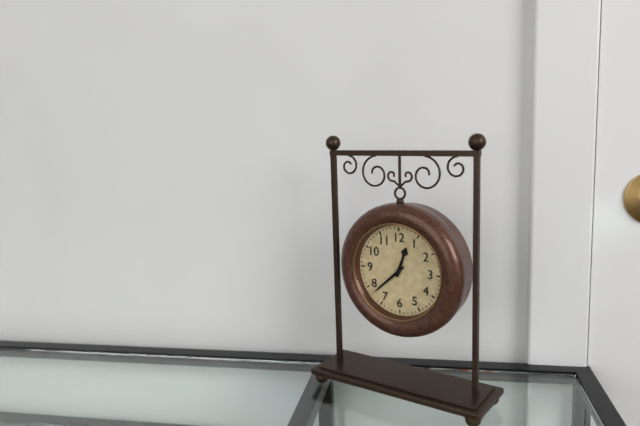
**12:38**
